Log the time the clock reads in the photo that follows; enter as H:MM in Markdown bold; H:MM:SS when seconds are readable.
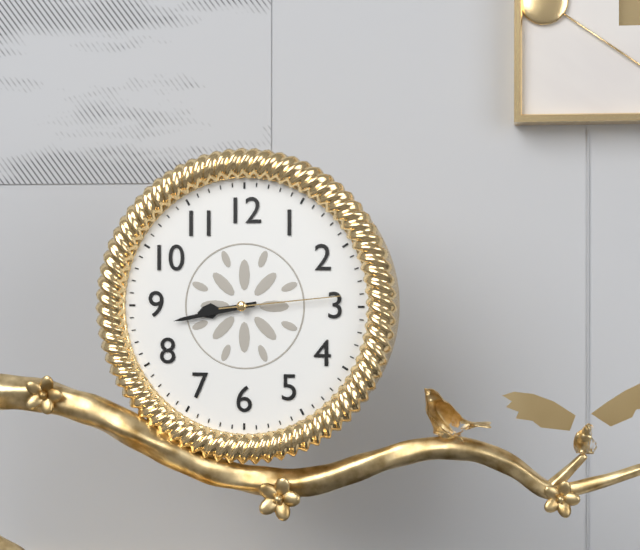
**8:43:14**
